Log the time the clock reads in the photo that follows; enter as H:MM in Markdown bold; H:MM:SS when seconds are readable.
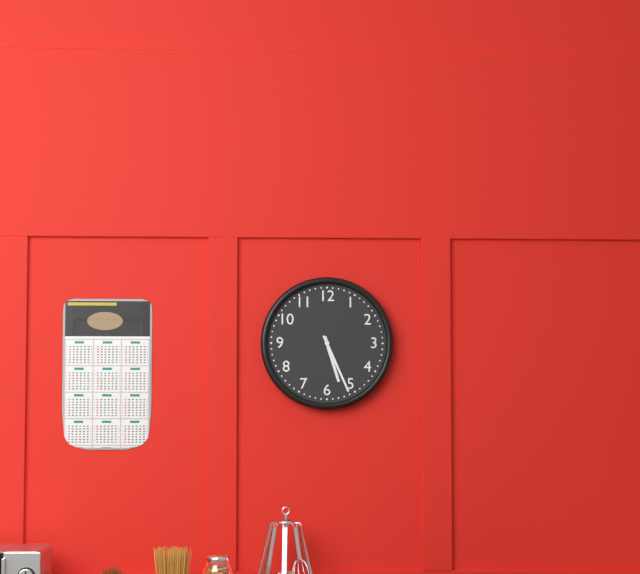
**5:26**
